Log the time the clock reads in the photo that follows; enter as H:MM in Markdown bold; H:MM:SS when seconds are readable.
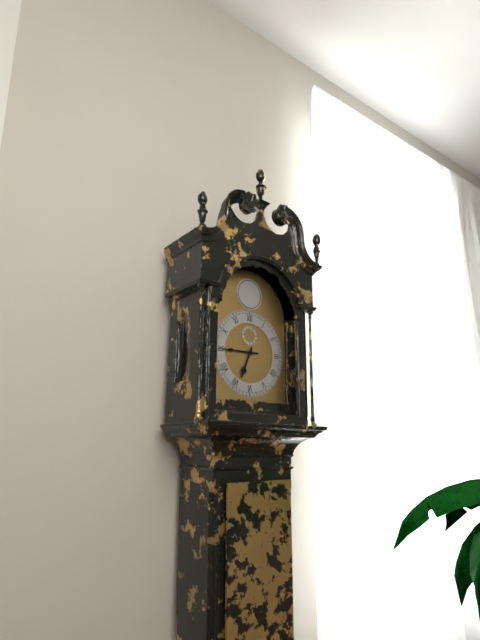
**6:45**
